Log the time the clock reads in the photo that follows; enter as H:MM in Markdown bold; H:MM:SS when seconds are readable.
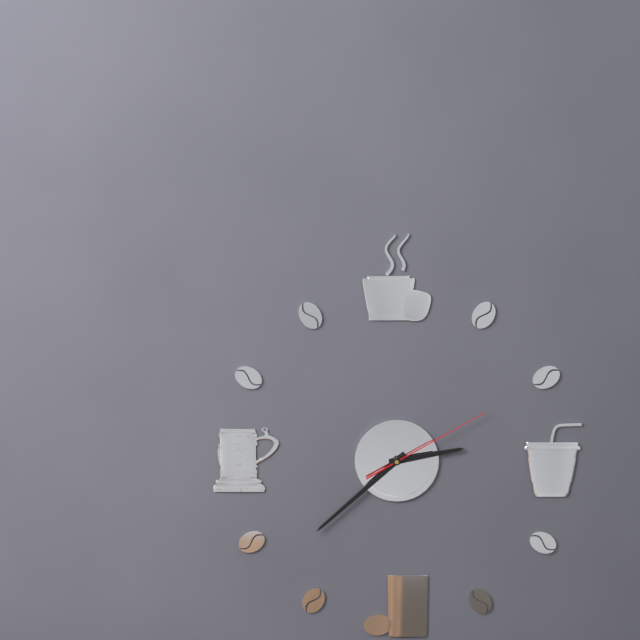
**2:38:10**
